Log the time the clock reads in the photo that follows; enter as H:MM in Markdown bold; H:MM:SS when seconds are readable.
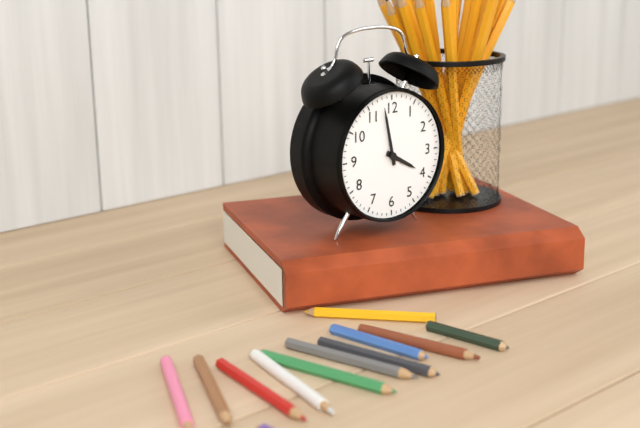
**3:58**
